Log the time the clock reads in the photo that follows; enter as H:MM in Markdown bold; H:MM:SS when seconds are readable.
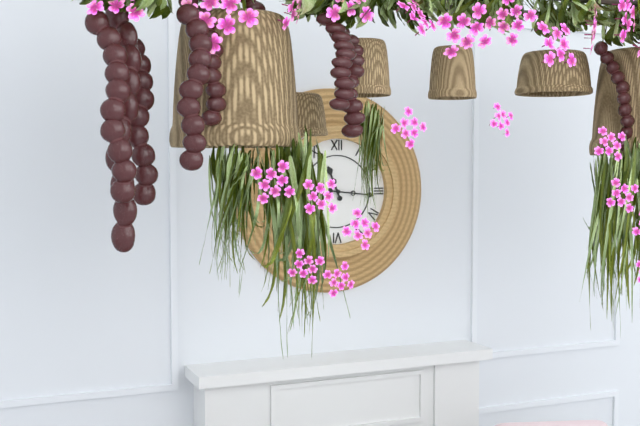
**11:16**
